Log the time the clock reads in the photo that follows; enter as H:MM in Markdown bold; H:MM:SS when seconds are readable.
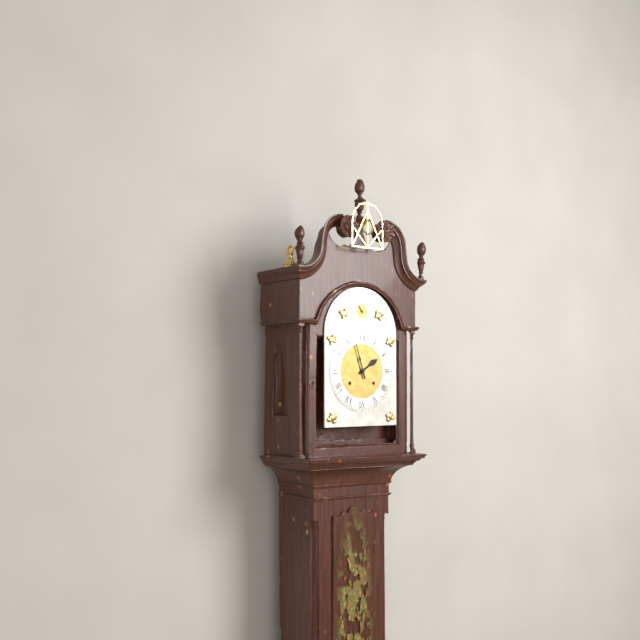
**1:57**
